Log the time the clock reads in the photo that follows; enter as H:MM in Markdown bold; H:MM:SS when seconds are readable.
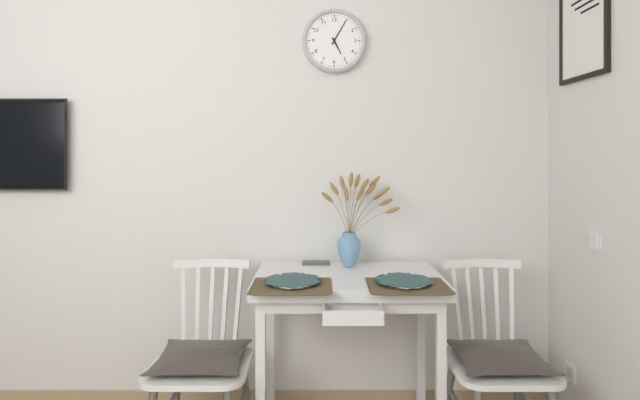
**5:05**
